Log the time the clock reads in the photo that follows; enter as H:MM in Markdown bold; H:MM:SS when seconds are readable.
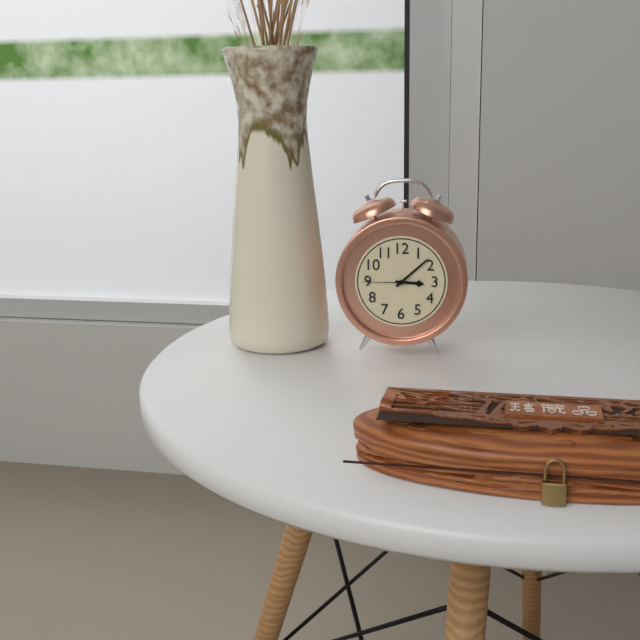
**3:08**
